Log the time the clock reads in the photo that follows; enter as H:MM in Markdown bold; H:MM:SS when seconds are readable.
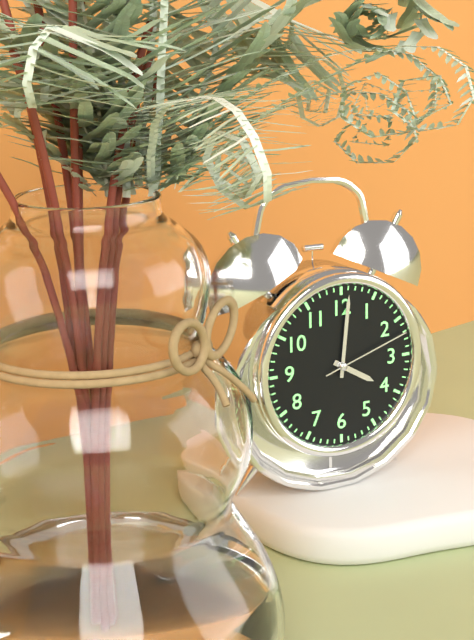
**4:01:12**
